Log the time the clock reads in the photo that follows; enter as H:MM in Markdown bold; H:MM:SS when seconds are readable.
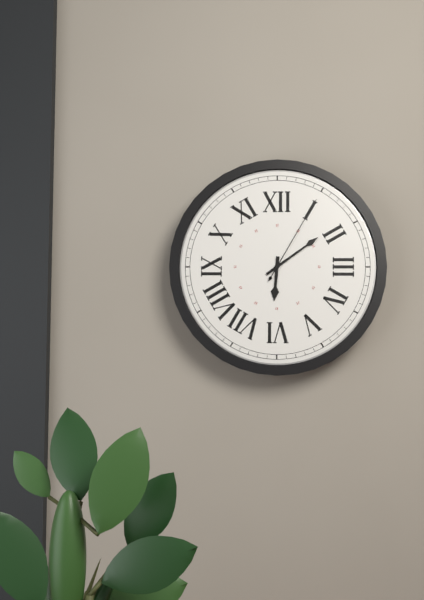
**6:09:05**
